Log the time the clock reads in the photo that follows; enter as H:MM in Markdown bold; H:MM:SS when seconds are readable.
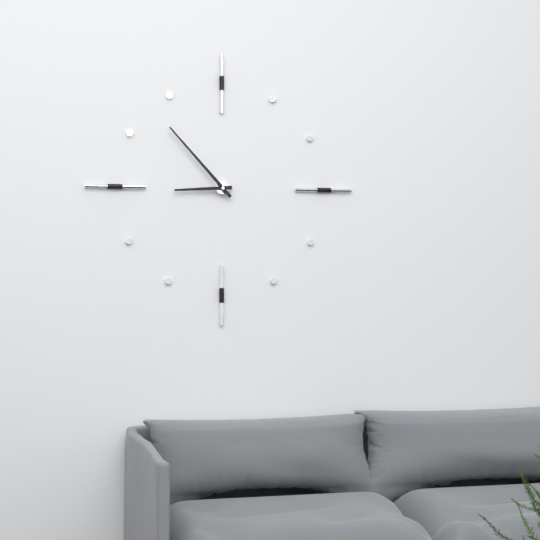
**8:53**
